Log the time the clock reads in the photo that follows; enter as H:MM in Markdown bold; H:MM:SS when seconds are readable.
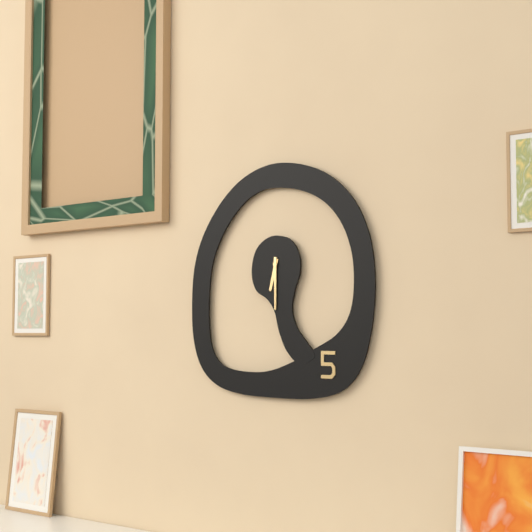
**6:30**
